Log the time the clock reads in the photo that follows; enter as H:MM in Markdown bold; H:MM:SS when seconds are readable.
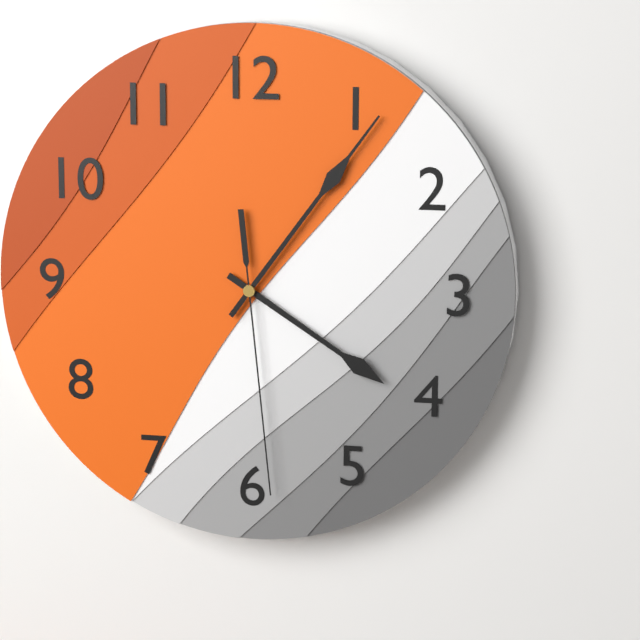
**4:06:29**
